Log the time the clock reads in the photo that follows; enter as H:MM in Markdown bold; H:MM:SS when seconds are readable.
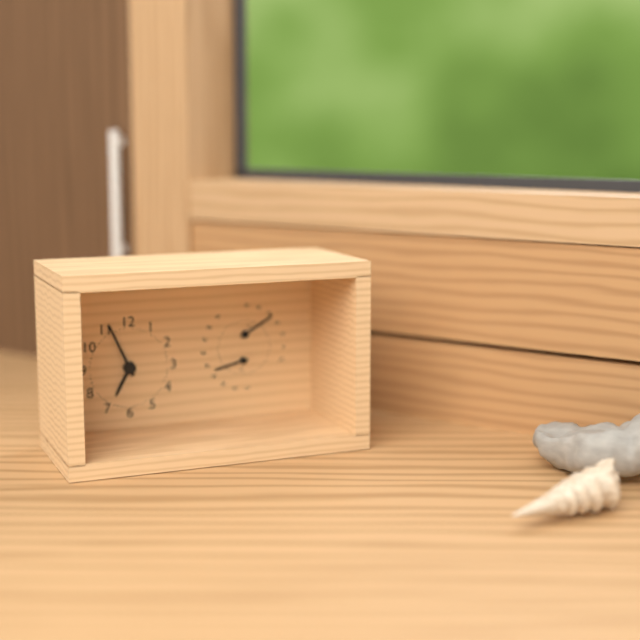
**6:56**
